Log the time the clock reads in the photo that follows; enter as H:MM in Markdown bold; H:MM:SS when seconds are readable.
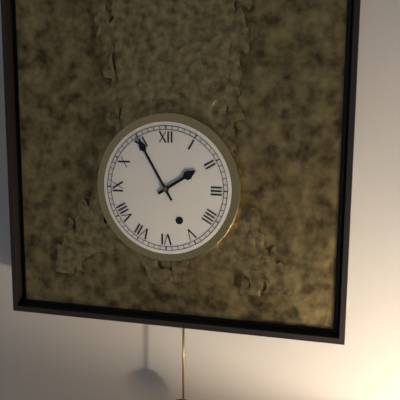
**1:55**
